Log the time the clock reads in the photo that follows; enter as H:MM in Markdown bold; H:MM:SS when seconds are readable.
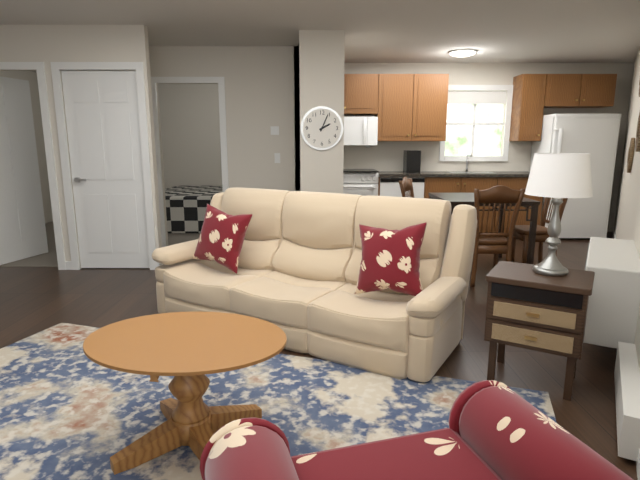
**2:04**
